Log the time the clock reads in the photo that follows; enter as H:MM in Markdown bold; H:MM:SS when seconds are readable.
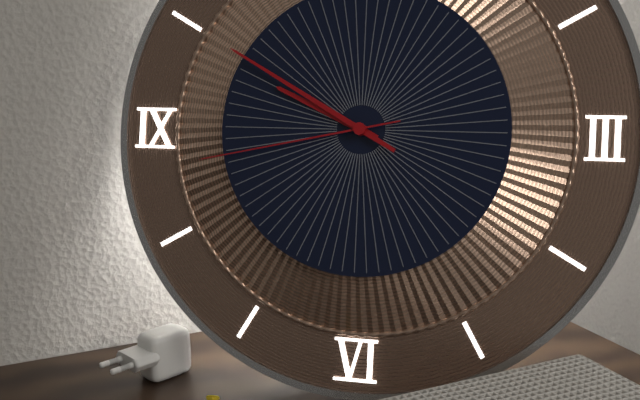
**9:50:43**
